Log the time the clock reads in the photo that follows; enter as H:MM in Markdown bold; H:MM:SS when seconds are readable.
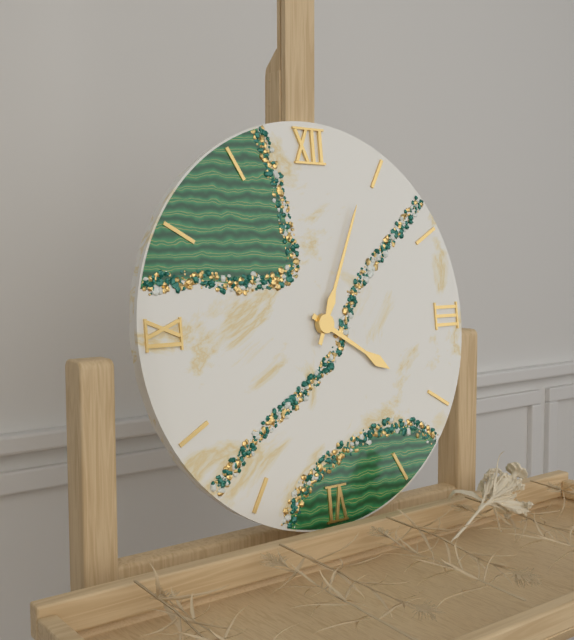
**4:04**
